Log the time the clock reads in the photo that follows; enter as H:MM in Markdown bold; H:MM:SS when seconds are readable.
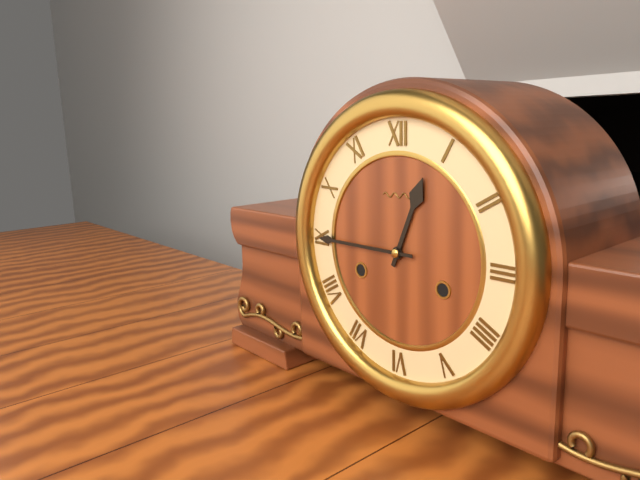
**12:45**
